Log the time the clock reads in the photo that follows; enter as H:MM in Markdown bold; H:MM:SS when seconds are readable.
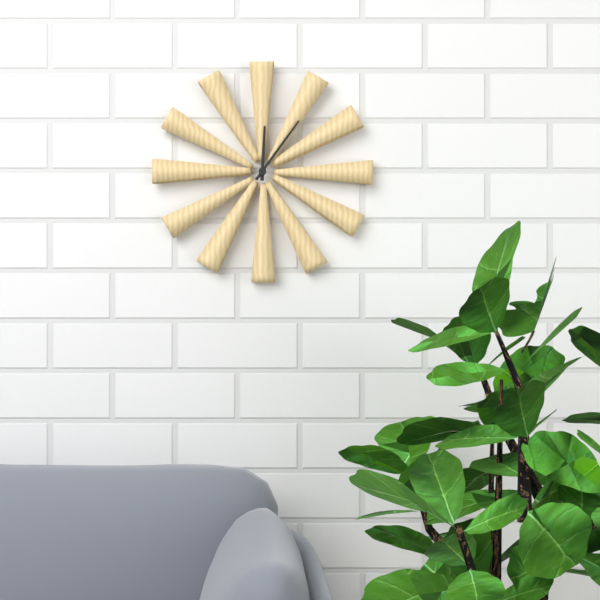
**12:06**
